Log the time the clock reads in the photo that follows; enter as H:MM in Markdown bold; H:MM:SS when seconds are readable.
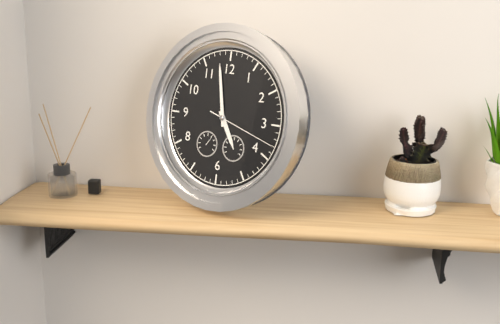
**4:58:18**
